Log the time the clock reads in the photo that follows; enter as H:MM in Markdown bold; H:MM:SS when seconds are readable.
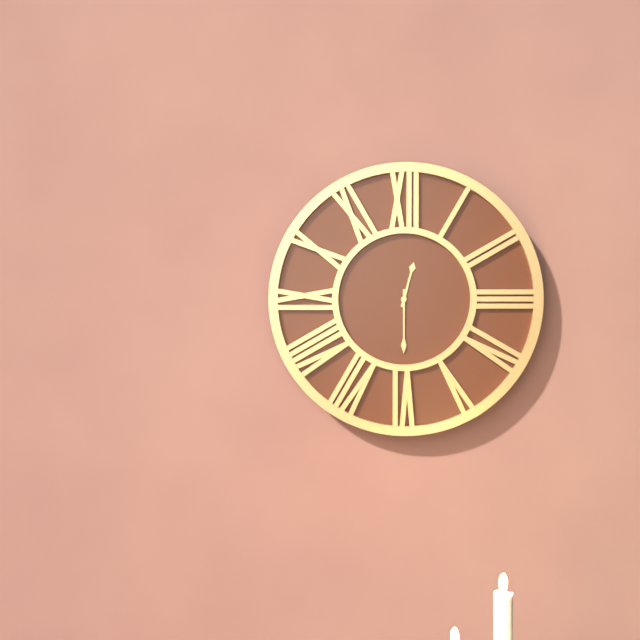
**12:30**
